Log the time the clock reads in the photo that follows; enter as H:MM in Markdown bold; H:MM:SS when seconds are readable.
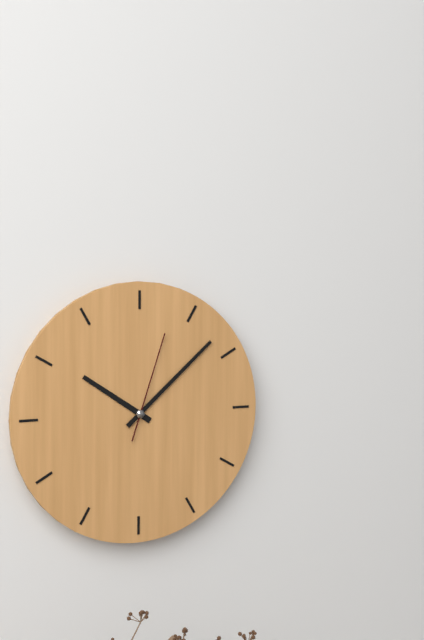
**10:08:03**
